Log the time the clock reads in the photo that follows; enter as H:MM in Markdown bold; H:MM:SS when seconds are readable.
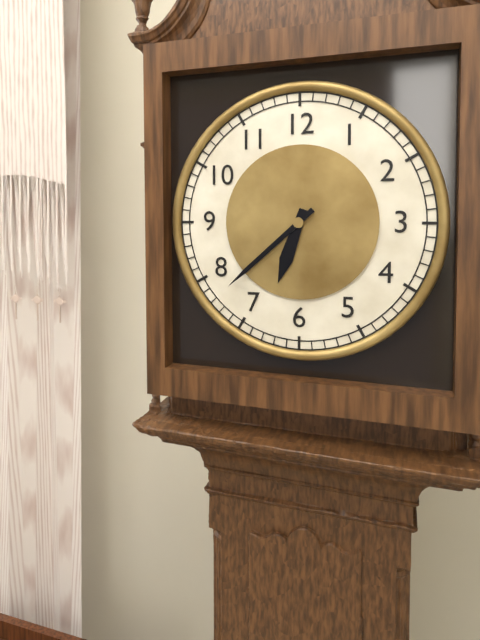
**6:38**
